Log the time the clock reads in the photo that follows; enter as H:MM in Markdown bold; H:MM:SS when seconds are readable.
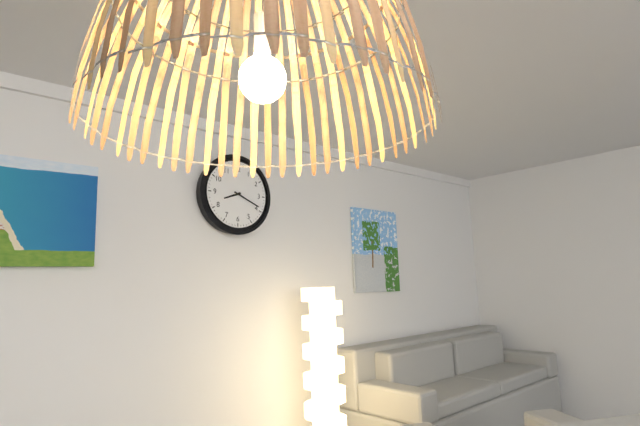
**8:19**
